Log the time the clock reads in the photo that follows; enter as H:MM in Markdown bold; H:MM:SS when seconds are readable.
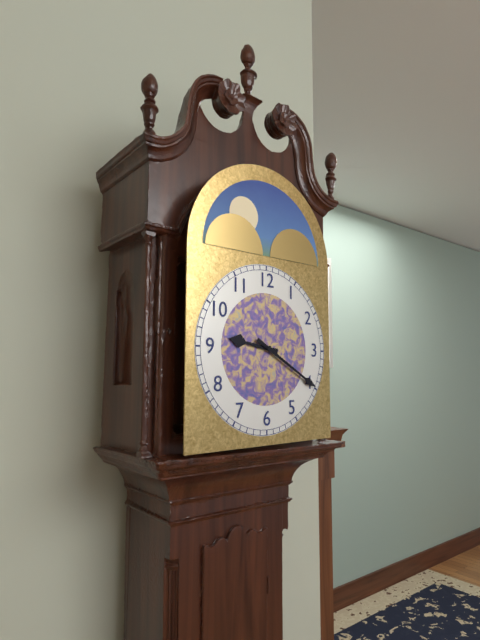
**9:20**
